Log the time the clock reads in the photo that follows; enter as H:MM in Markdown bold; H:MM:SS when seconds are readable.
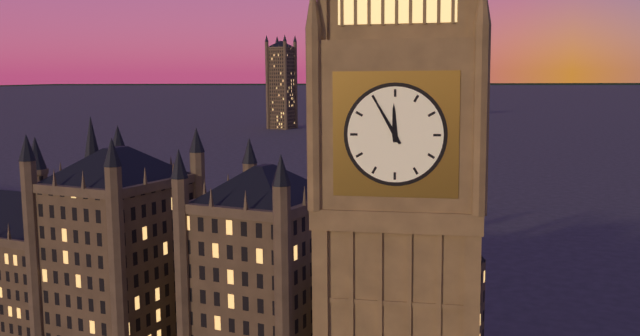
**11:55**
